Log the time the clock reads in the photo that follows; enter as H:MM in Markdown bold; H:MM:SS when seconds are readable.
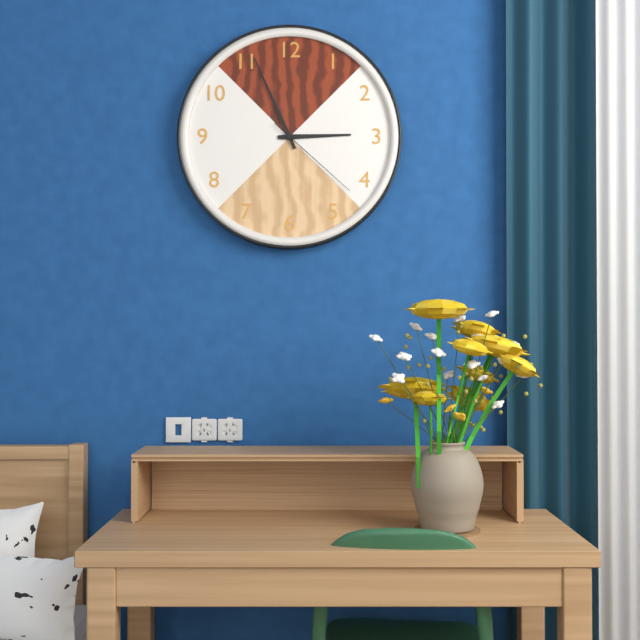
**2:56:22**
